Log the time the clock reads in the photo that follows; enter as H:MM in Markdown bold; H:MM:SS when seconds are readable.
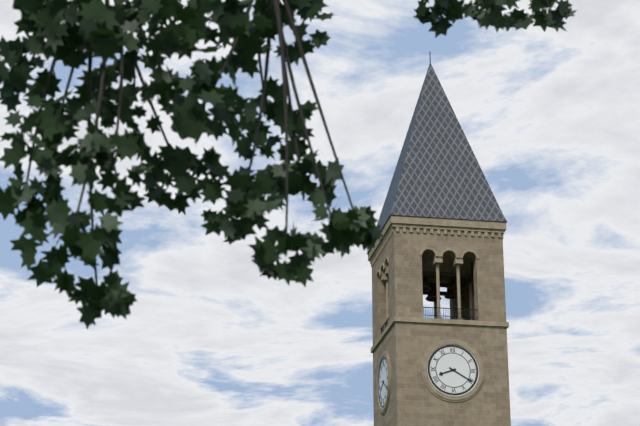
**8:20**
